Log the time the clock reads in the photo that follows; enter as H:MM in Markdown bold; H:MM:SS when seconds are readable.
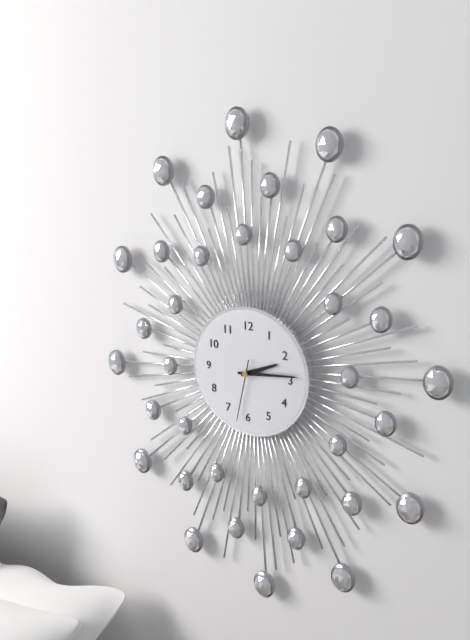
**2:14:32**
